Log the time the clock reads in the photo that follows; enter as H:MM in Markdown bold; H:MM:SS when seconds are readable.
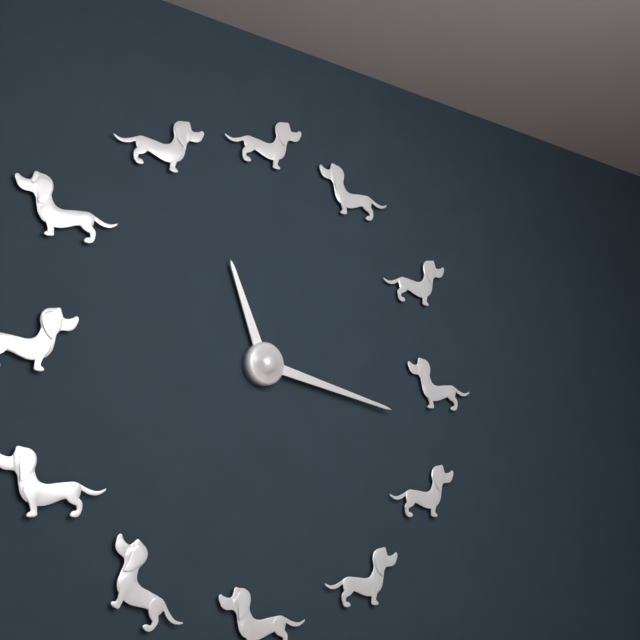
**11:17**
